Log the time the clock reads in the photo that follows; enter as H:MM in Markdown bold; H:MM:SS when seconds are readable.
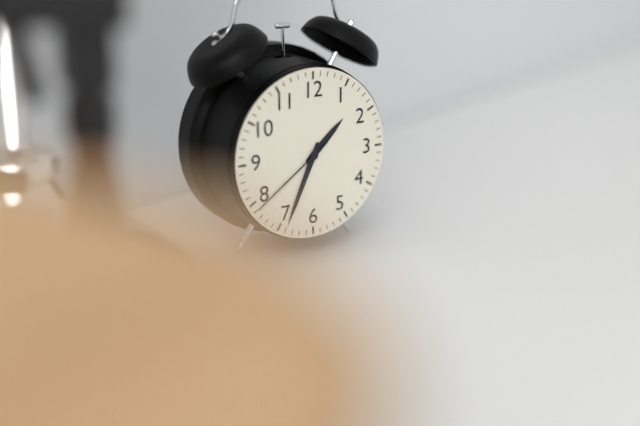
**1:34:39**
